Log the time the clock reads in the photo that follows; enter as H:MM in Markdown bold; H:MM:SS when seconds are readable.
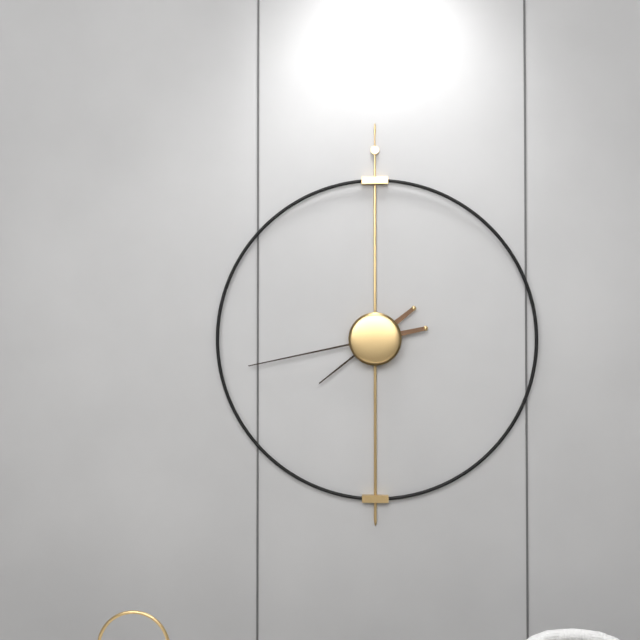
**7:43**
